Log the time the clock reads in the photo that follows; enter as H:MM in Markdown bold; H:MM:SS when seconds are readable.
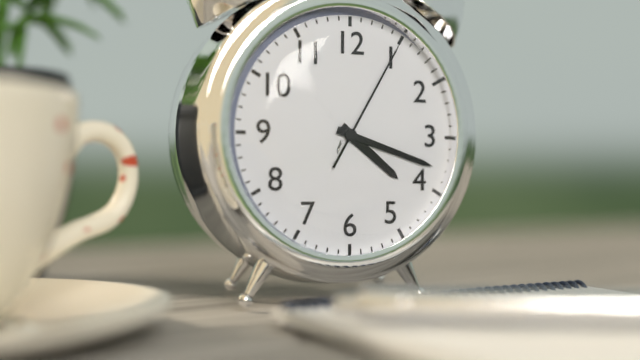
**4:18:05**
